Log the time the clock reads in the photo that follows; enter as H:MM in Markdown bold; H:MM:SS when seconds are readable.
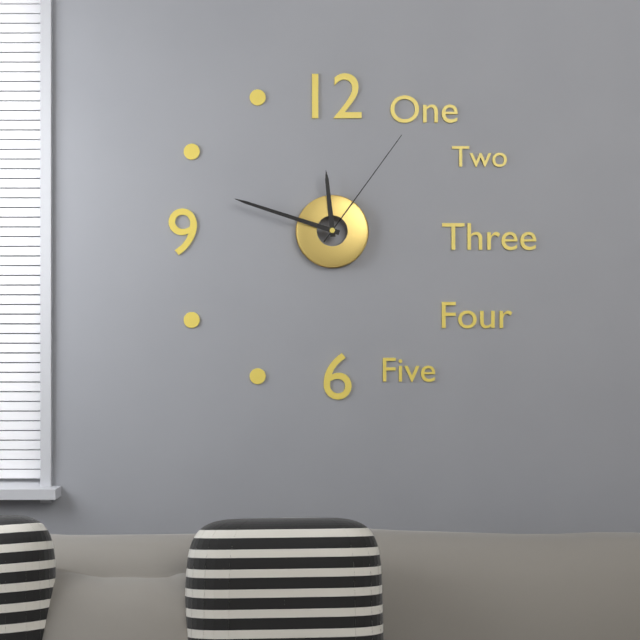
**11:48:06**
